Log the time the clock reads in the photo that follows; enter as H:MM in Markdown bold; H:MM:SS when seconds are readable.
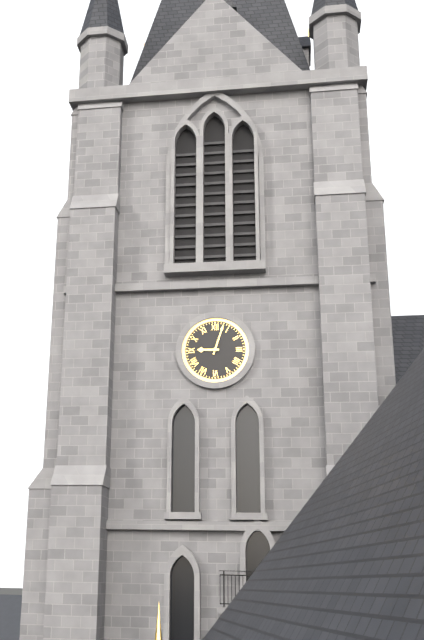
**9:03**
